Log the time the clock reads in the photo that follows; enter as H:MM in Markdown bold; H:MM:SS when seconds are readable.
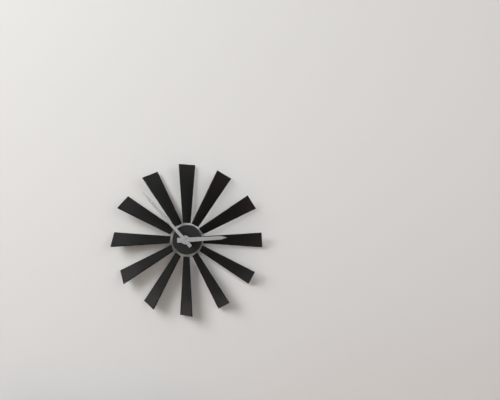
**2:53**
